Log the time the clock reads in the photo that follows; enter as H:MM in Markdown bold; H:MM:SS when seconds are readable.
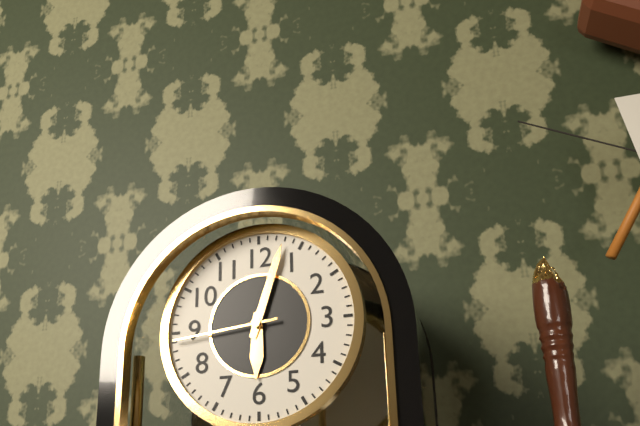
**6:03:44**
